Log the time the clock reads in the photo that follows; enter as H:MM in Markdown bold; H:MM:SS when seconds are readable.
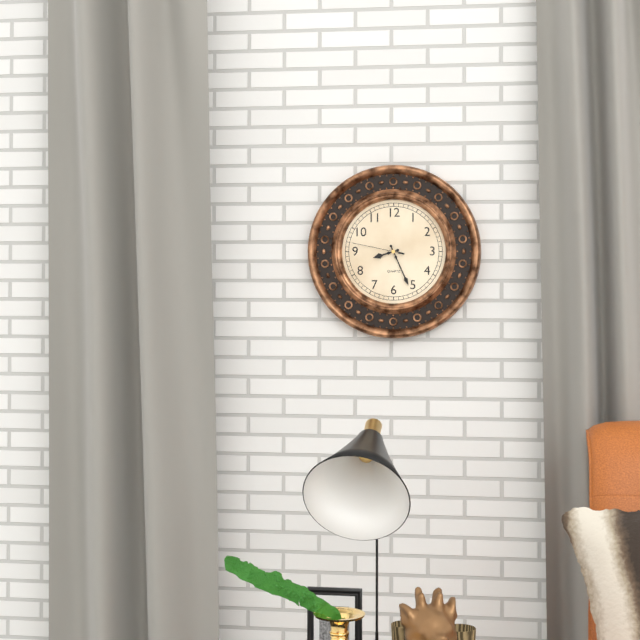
**8:26:47**
